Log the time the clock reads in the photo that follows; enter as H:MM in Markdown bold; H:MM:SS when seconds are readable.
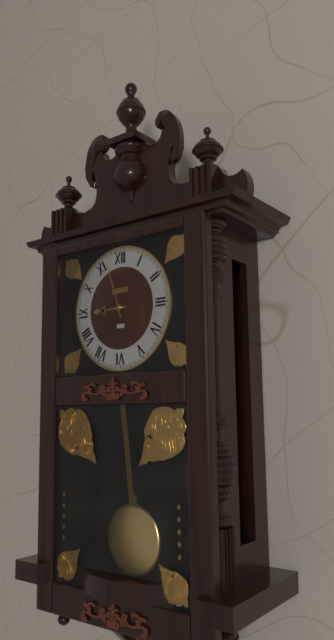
**8:57**
